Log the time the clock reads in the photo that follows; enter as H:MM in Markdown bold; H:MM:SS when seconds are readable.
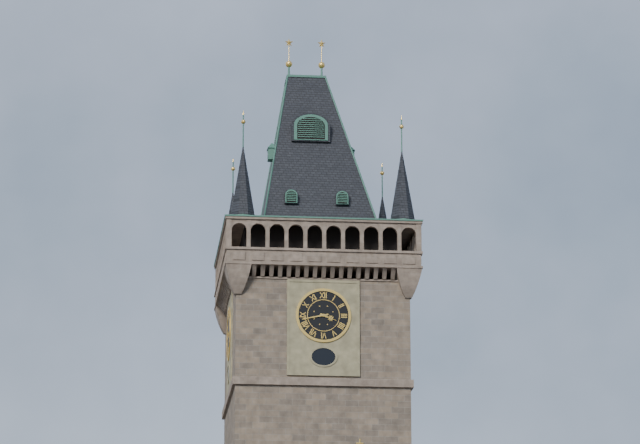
**3:43**
